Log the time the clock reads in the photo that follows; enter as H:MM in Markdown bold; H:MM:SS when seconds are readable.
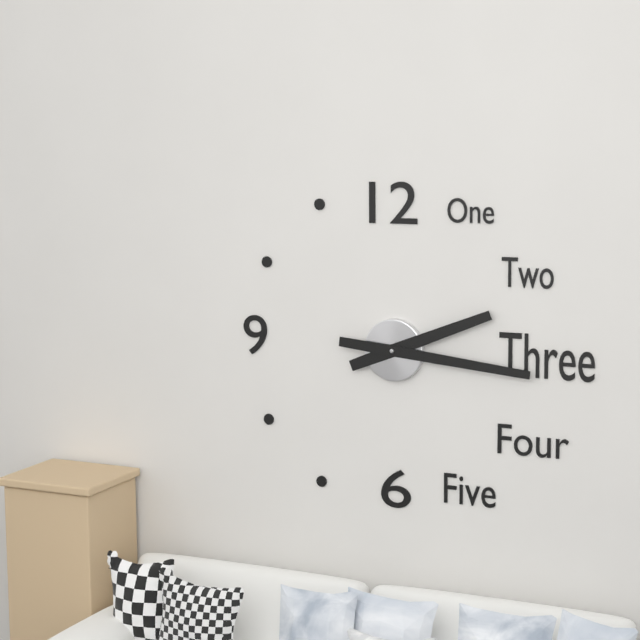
**2:16**
